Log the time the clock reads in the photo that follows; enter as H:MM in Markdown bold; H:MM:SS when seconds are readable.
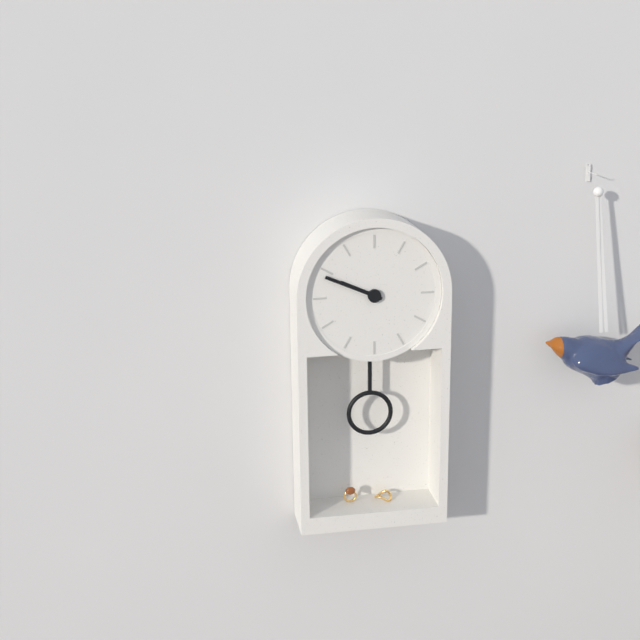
**9:49**
